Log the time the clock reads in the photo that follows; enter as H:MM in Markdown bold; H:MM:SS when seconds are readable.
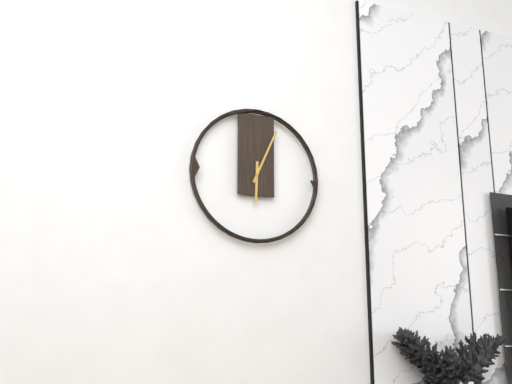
**6:04**
